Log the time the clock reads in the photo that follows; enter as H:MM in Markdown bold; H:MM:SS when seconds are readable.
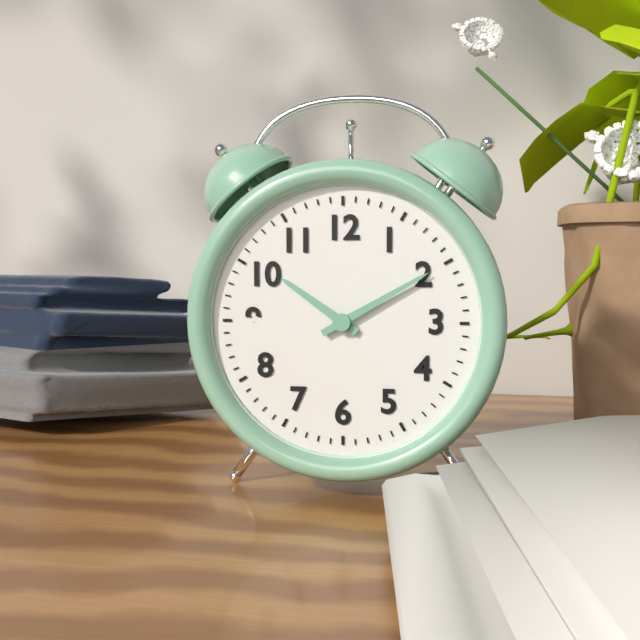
**10:10**
